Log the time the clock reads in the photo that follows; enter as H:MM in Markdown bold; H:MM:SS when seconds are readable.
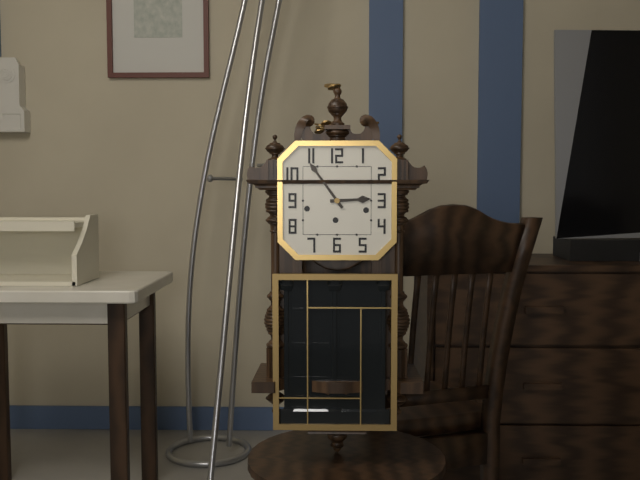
**2:54**
